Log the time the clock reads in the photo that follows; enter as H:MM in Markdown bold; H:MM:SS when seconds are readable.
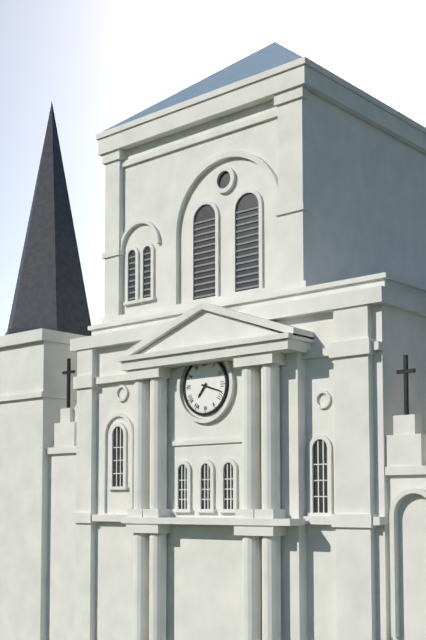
**7:18**
